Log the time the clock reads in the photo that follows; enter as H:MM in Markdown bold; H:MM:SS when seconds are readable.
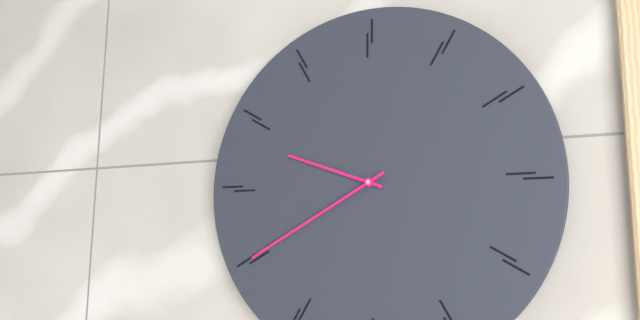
**9:40**
